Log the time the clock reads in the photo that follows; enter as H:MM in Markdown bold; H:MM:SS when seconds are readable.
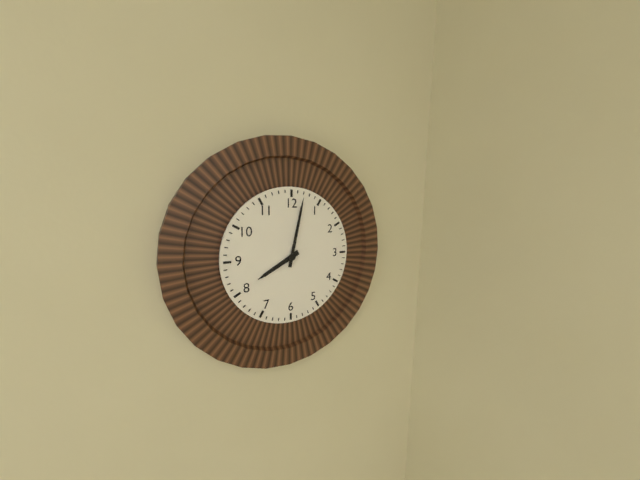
**8:02**
